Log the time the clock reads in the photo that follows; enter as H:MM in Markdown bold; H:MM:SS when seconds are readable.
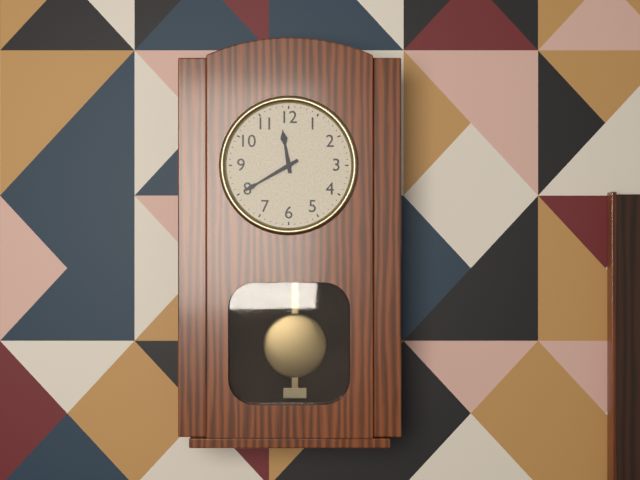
**11:40**
